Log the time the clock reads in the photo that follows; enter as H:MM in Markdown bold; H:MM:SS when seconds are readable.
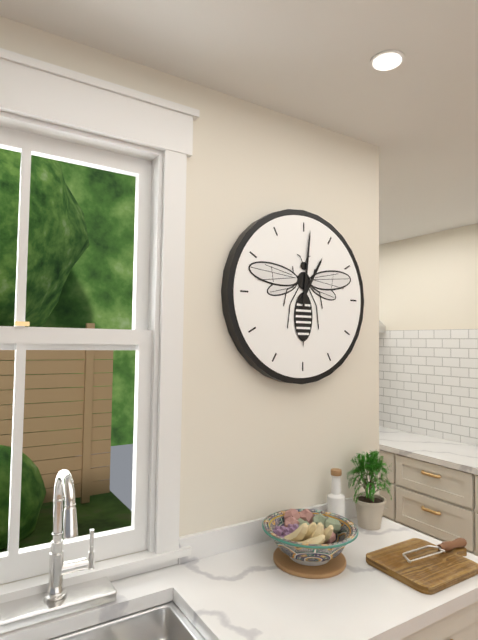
**1:01**
